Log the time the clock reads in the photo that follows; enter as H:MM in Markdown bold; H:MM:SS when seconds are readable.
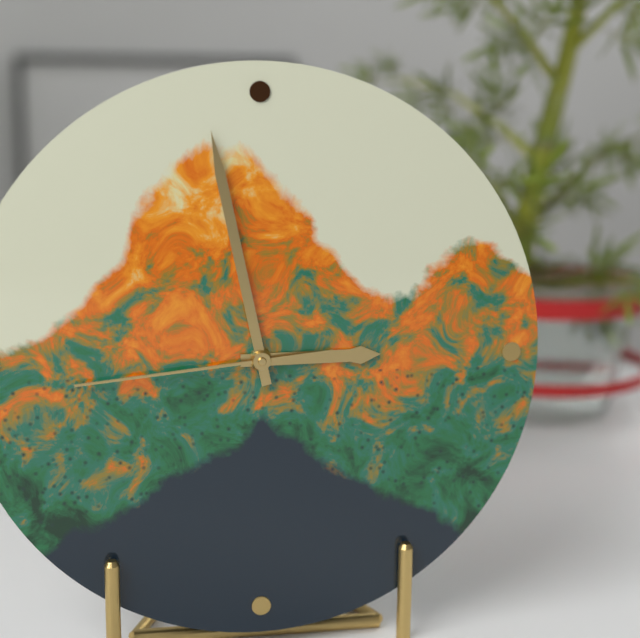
**2:58:44**
